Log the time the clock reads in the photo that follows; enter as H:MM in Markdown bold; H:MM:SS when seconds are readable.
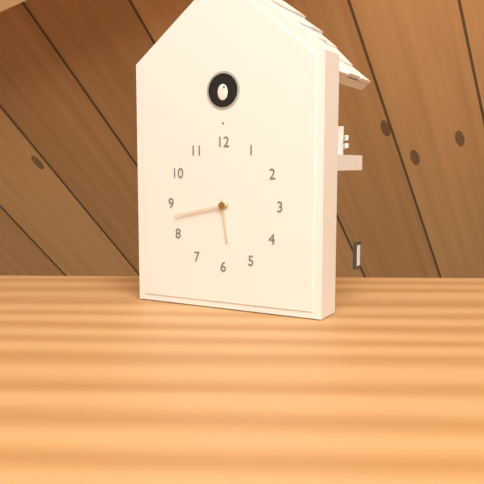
**5:43**
